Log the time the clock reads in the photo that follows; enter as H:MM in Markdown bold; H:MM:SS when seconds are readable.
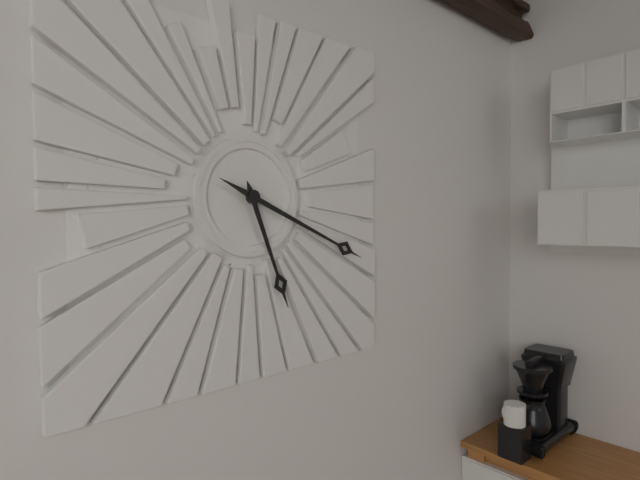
**5:19**
